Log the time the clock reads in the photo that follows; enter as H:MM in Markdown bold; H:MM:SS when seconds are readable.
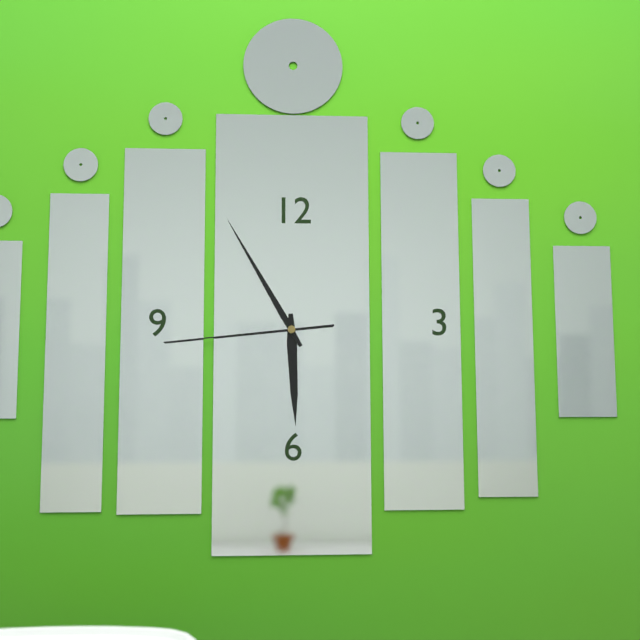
**5:55:44**
